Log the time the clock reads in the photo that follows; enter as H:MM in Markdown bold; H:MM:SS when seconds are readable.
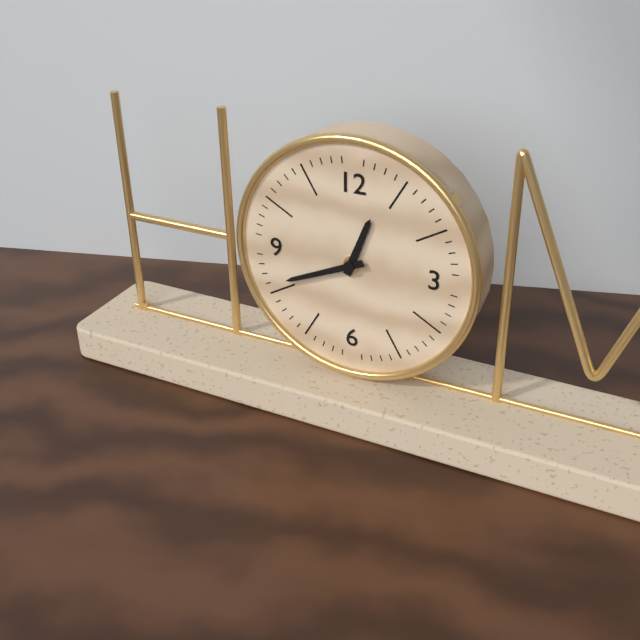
**12:41**
